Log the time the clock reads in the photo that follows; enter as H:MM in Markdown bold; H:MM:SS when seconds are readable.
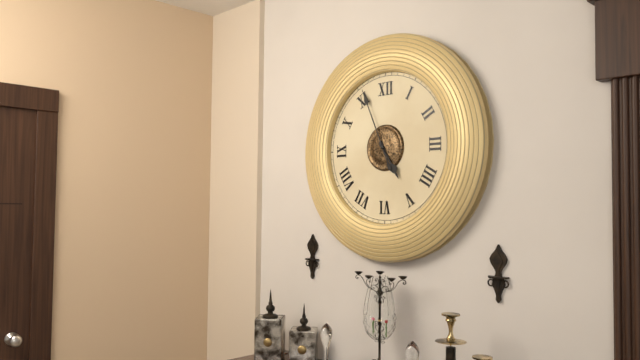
**4:56**
